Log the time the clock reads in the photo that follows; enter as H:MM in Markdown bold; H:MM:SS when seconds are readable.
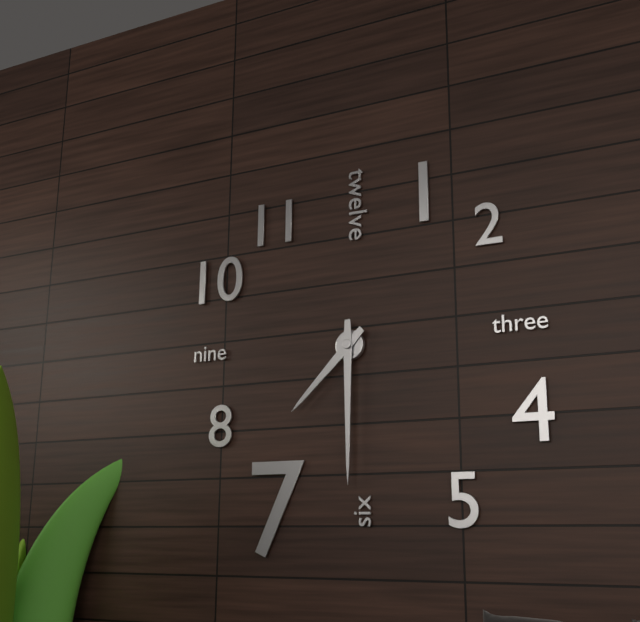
**7:30**
